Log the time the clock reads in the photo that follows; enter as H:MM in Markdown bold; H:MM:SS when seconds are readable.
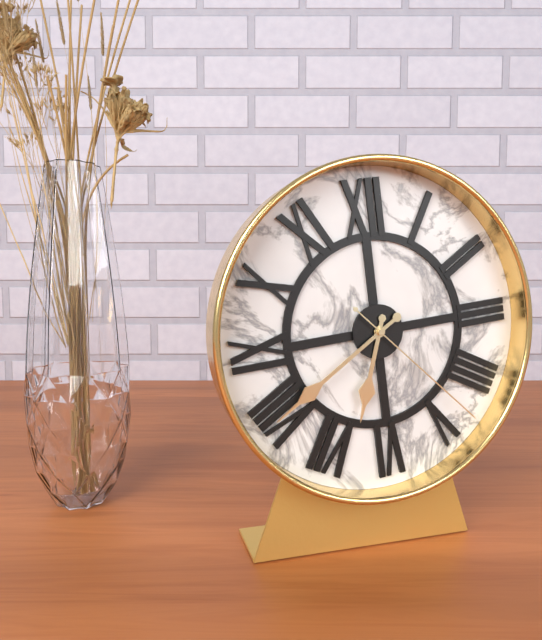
**6:40:23**
